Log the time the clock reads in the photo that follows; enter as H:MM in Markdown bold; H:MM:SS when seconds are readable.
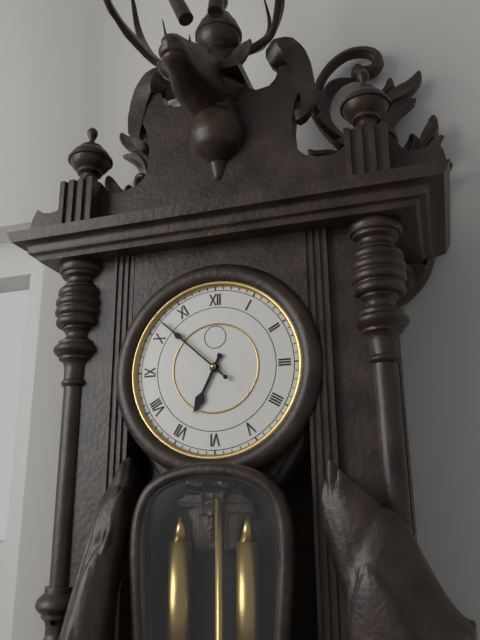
**6:52**
